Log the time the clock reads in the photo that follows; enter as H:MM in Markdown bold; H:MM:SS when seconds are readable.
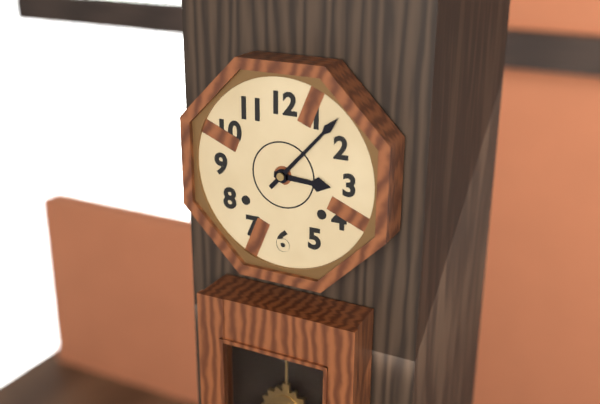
**3:07**
